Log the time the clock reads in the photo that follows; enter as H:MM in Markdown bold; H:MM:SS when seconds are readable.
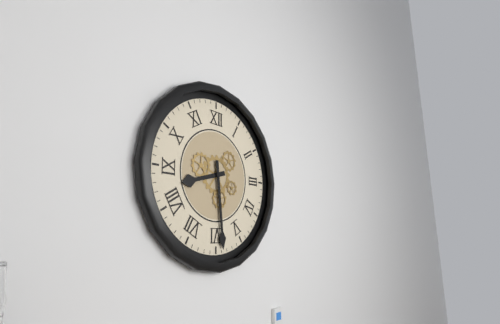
**8:29**
